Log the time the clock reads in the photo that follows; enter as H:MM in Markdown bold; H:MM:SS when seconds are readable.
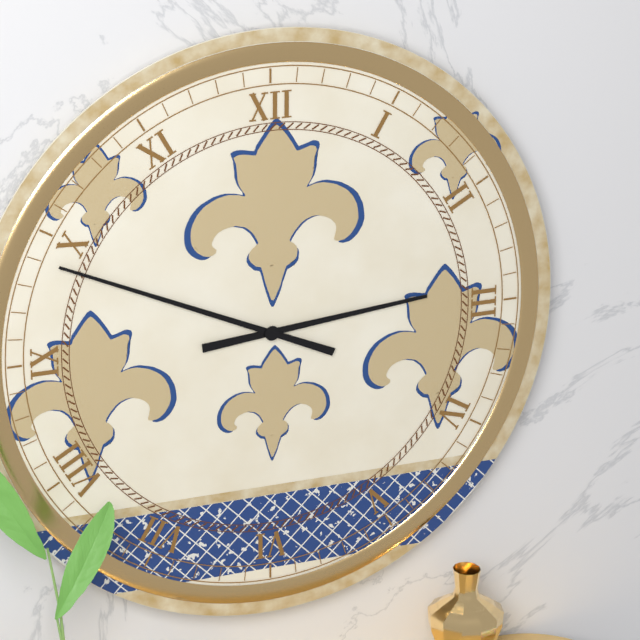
**2:49**
